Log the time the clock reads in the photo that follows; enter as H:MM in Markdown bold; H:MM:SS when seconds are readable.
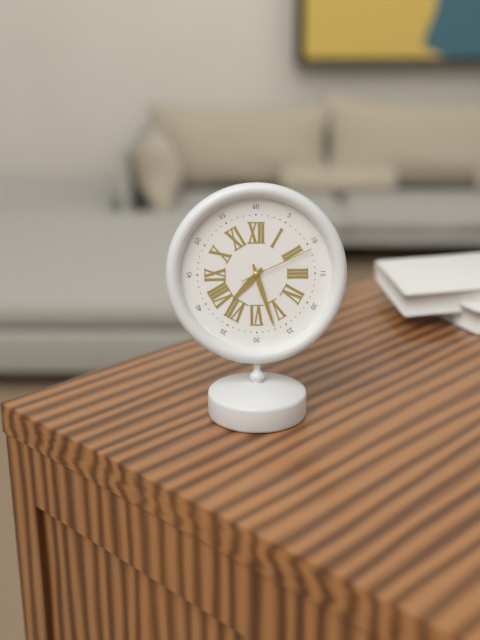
**7:27:11**
